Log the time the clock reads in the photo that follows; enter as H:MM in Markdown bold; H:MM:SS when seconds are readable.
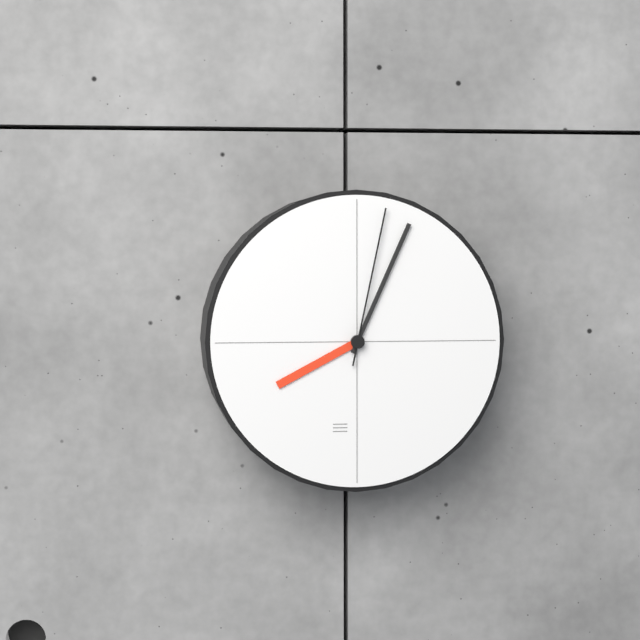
**8:04:02**
